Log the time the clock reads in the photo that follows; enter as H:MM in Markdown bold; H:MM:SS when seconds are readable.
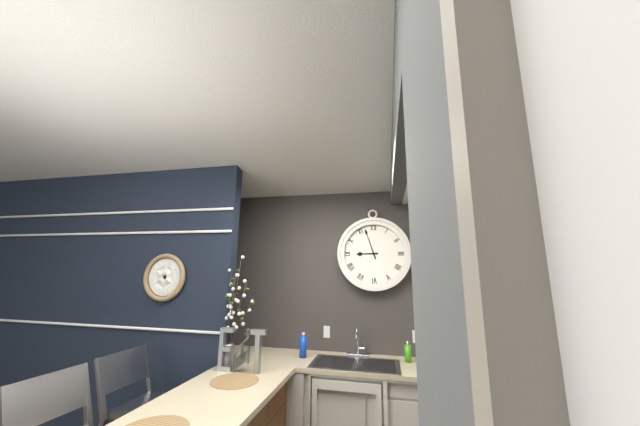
**8:57**
